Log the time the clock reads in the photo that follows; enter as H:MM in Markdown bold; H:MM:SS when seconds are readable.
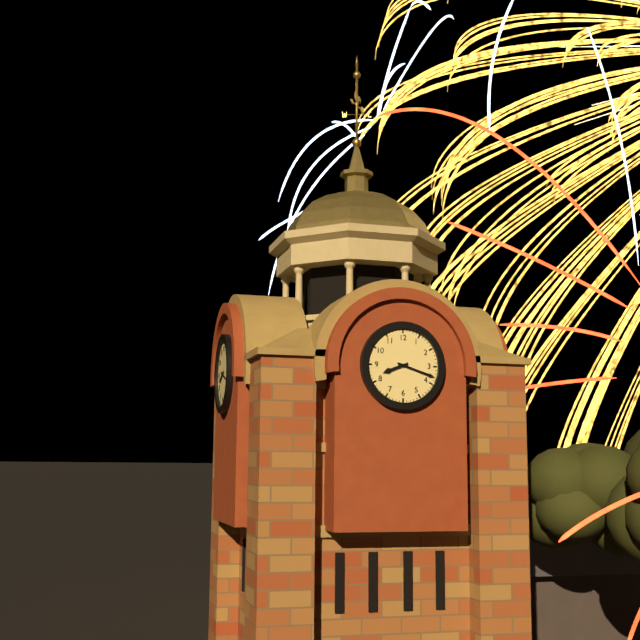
**8:18**
